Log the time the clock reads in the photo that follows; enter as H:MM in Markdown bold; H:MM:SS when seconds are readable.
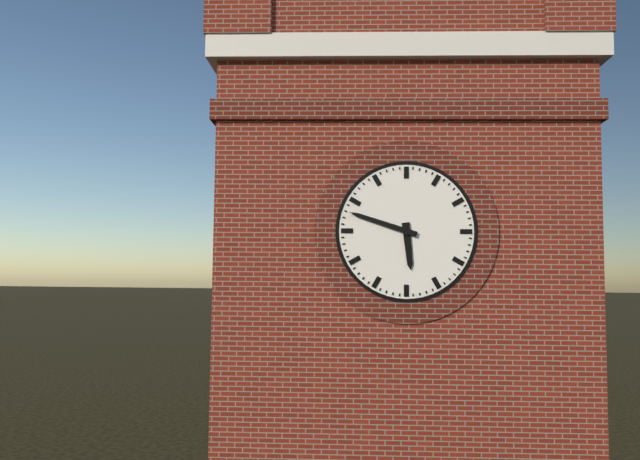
**5:48**
